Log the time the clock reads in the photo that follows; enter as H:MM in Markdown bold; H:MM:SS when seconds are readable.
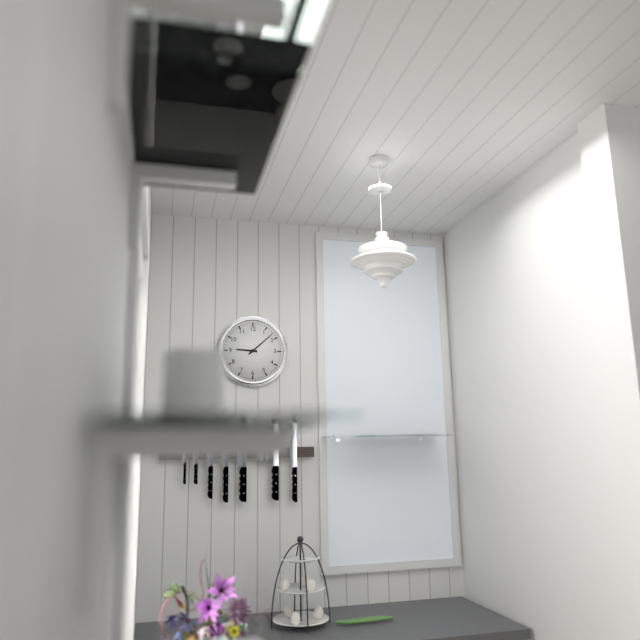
**9:08**
